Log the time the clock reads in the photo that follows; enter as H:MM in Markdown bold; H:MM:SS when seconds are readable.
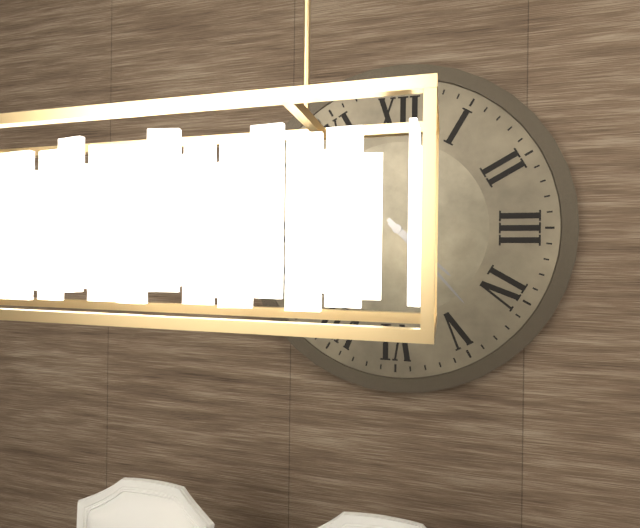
**4:23**
